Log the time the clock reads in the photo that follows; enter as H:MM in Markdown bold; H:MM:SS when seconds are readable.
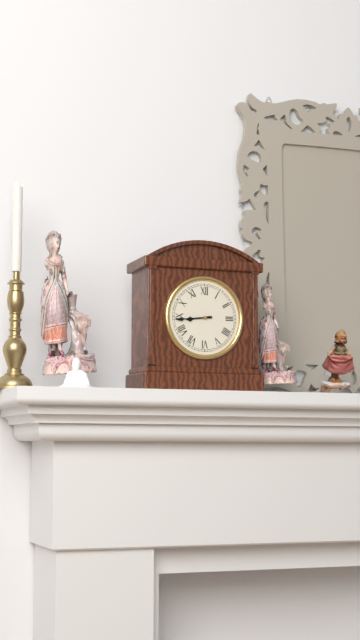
**8:44**
